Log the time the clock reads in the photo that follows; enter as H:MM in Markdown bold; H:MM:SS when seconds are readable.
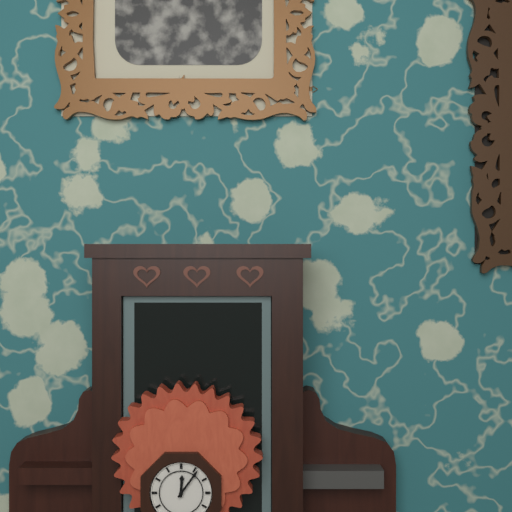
**12:06**
